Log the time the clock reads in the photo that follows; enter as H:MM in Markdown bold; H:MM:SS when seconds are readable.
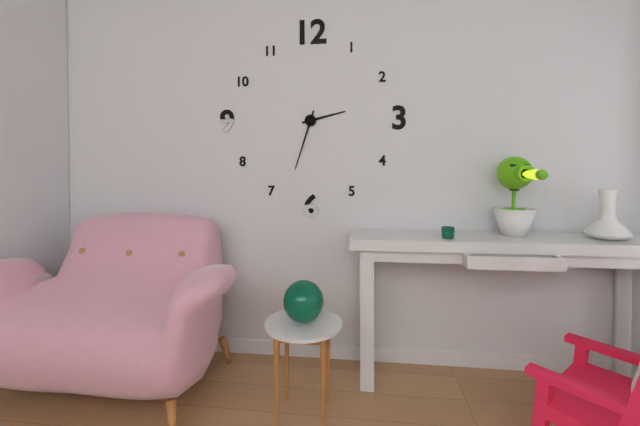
**2:33**
